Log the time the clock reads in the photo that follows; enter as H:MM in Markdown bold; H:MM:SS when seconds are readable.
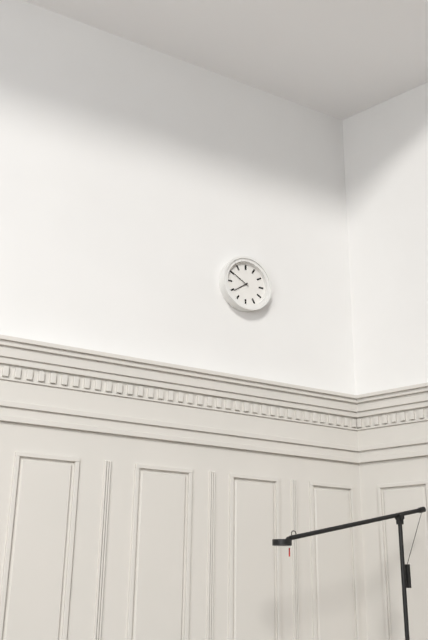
**7:50**
